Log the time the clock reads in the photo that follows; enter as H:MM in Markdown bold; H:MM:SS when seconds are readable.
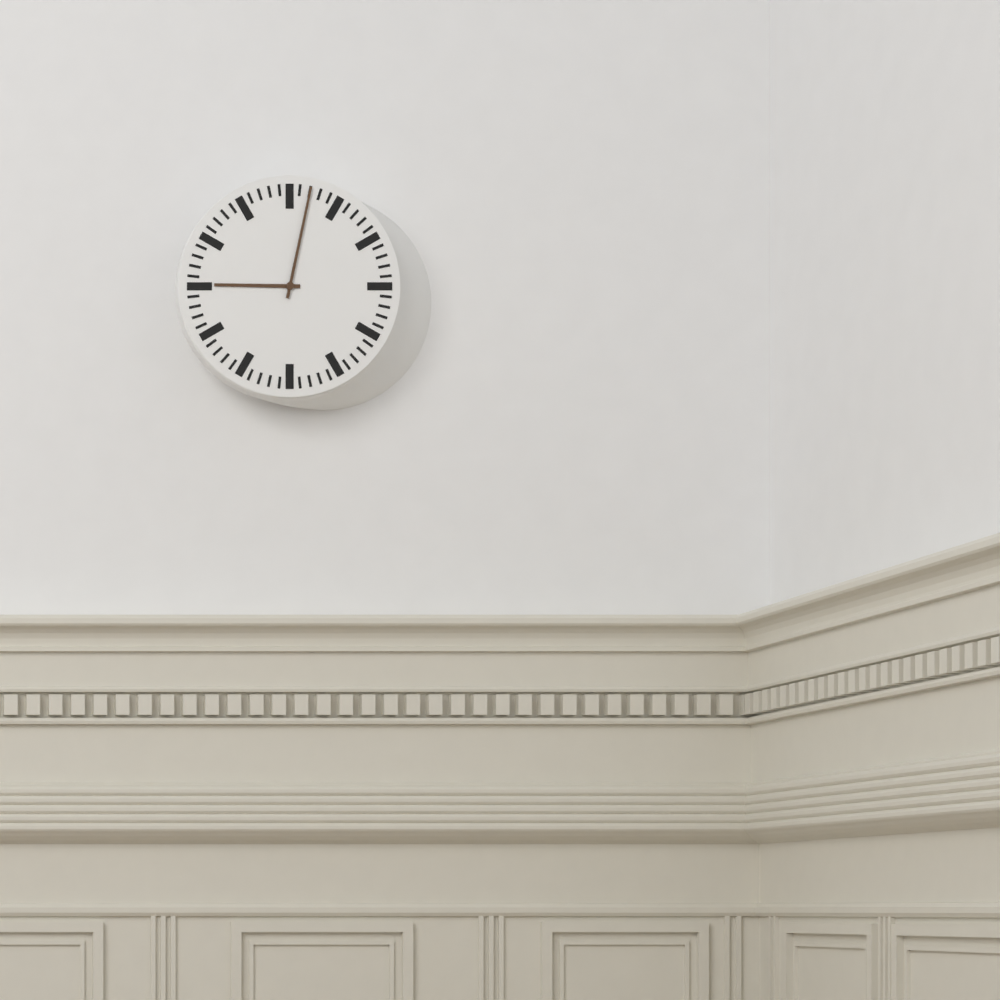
**9:02**
